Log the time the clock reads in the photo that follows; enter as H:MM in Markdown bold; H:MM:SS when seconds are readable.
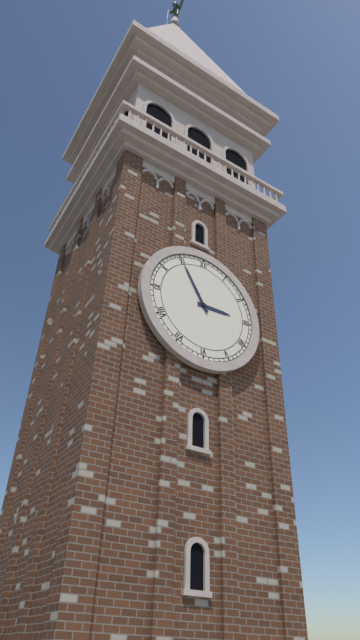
**2:55**
